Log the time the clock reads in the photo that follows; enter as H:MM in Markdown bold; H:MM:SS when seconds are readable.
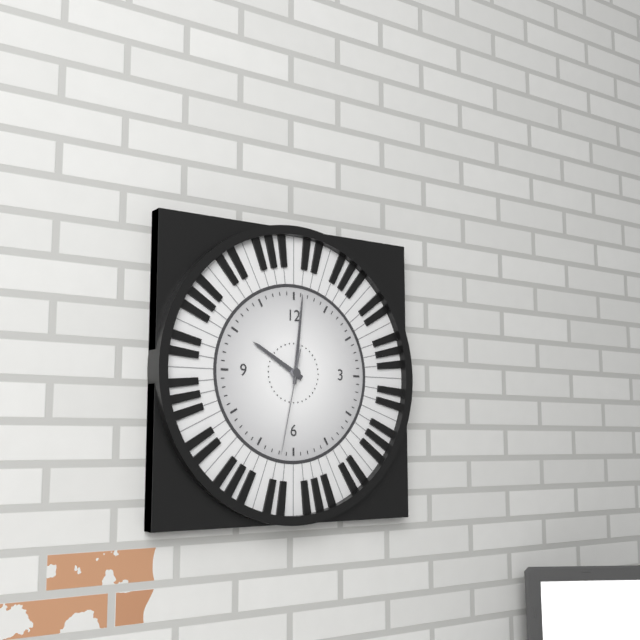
**10:01:32**
